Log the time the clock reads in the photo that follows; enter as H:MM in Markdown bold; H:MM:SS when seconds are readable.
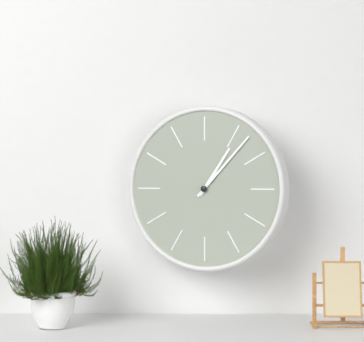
**1:07**
